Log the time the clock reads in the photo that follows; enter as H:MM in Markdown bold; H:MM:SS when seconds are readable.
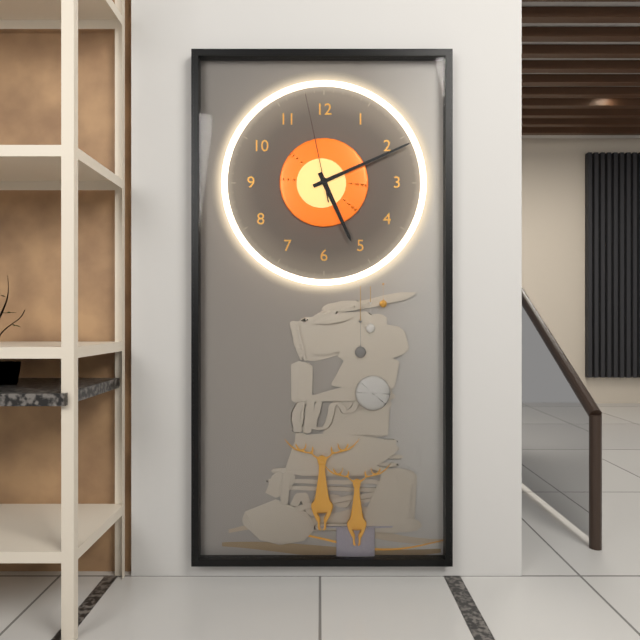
**5:11:58**
